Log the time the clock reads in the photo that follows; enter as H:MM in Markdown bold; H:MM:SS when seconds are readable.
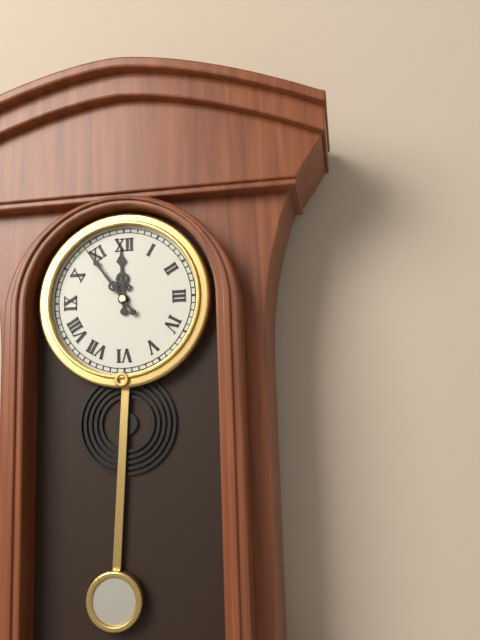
**11:54**
